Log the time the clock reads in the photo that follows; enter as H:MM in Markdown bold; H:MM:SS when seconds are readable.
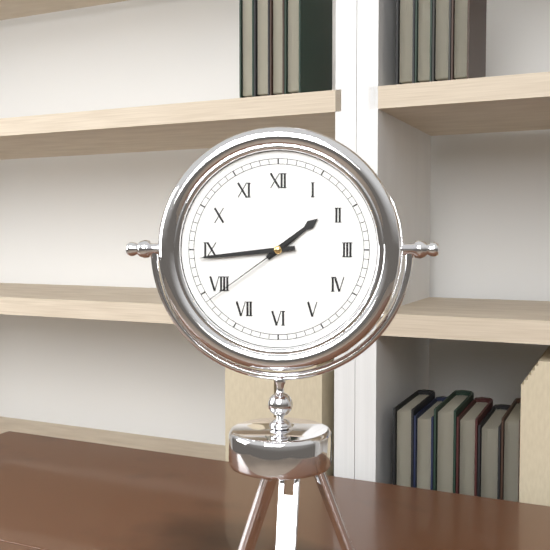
**1:44:39**
